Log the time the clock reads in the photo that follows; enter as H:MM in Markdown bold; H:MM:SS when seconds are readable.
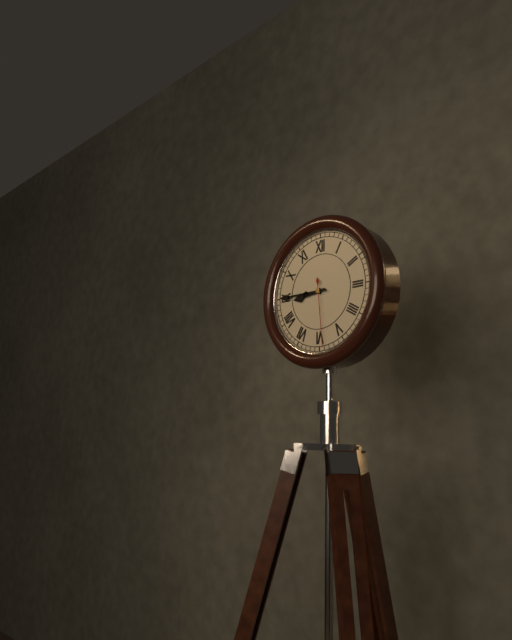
**8:45:29**
